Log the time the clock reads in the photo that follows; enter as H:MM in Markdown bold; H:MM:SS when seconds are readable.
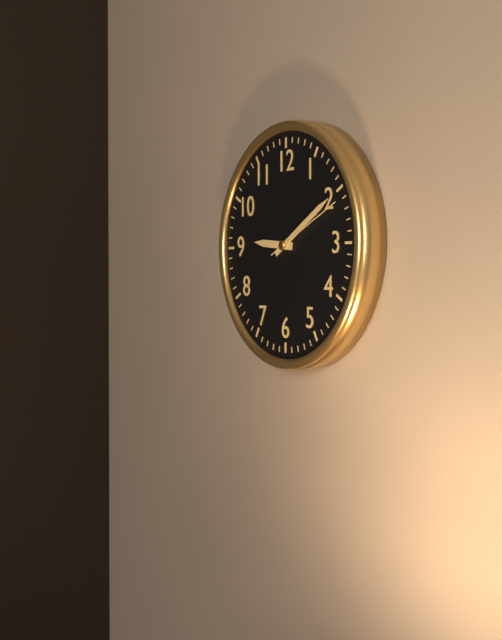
**9:10:11**
